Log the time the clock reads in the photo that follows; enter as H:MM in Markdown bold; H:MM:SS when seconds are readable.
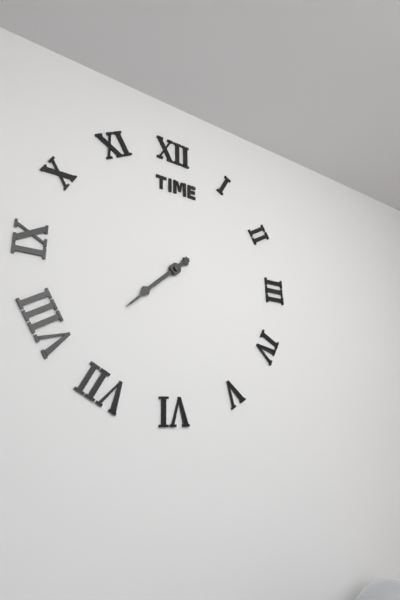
**7:38**
